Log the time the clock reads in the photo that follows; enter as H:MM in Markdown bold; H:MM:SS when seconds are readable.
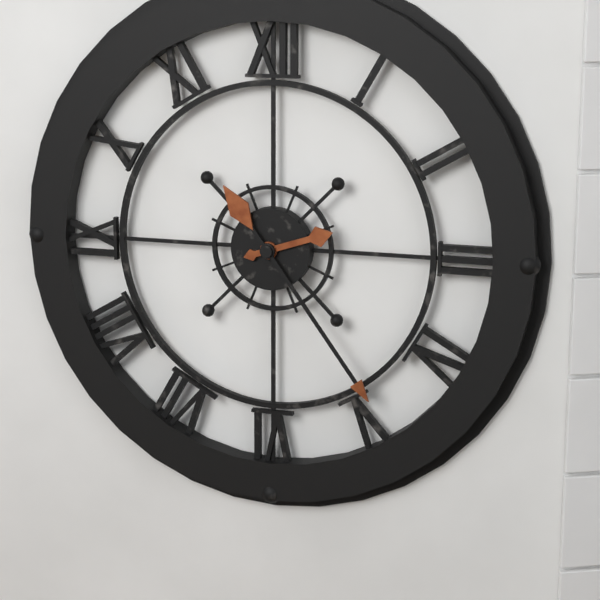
**2:24**
